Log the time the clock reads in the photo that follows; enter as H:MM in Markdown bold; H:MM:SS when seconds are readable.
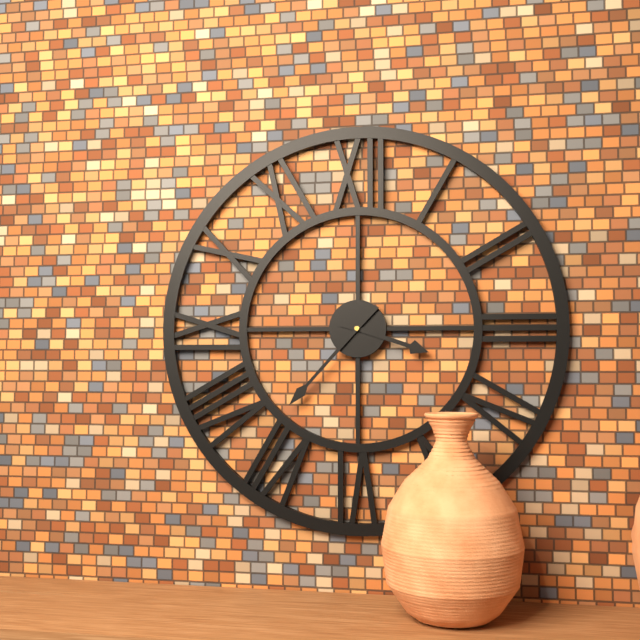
**3:37**
